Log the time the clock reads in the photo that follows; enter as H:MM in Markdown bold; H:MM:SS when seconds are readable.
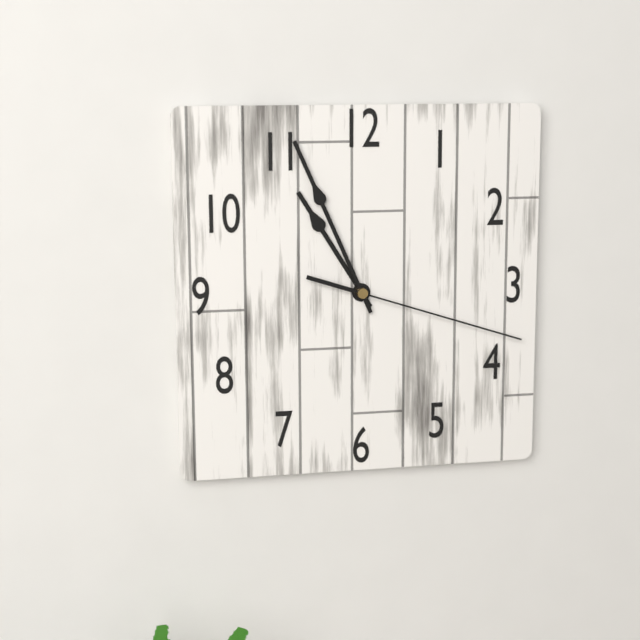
**10:56:18**
